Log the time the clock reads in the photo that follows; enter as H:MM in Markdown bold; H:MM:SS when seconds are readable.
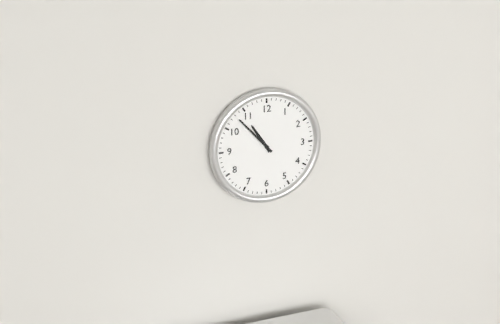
**10:53**
